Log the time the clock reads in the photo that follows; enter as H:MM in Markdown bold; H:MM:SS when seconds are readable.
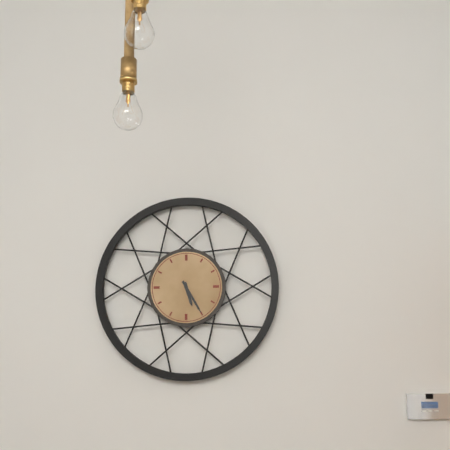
**5:25**
